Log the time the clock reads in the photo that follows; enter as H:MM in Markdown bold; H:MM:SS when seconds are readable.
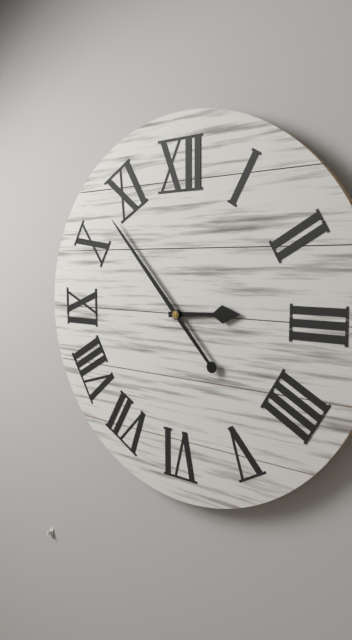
**2:53**
